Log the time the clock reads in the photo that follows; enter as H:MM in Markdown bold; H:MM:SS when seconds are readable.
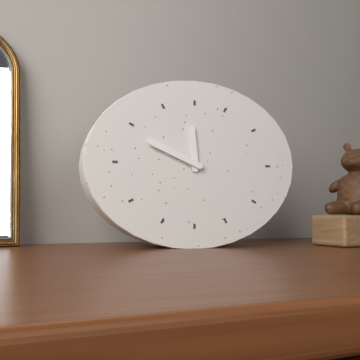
**11:49**
